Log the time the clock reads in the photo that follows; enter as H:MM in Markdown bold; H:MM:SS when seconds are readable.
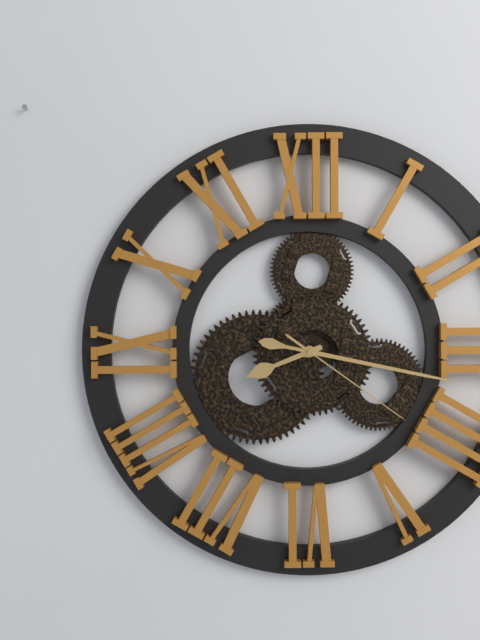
**8:17:21**
